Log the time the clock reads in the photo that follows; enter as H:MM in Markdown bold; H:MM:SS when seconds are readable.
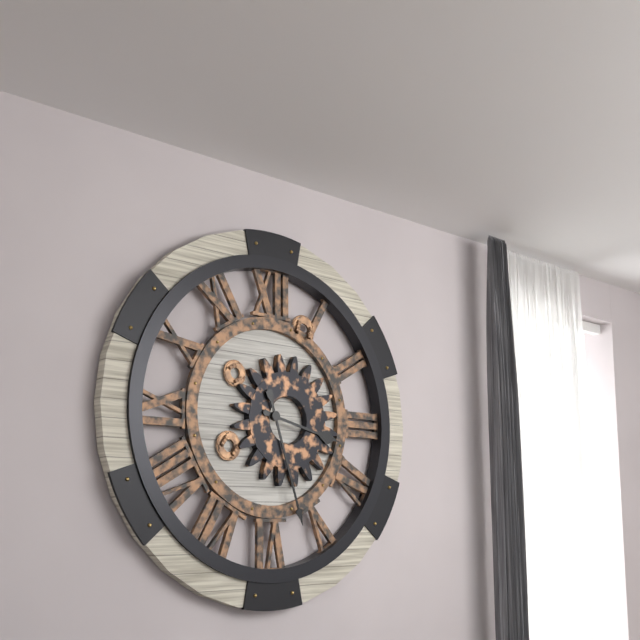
**3:27**
